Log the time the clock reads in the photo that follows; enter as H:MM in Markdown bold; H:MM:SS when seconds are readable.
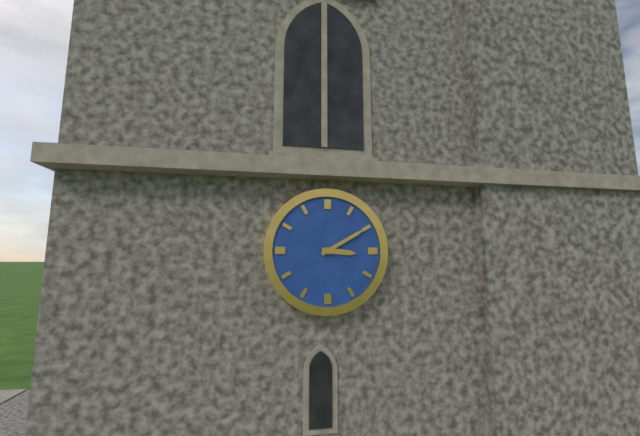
**3:10**
